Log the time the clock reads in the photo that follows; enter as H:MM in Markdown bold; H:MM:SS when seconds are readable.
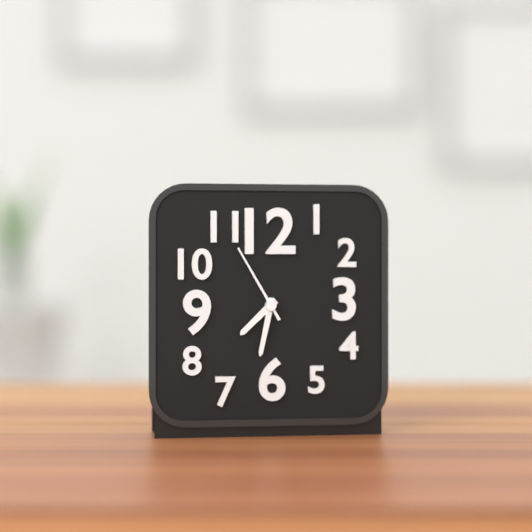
**7:32:55**
